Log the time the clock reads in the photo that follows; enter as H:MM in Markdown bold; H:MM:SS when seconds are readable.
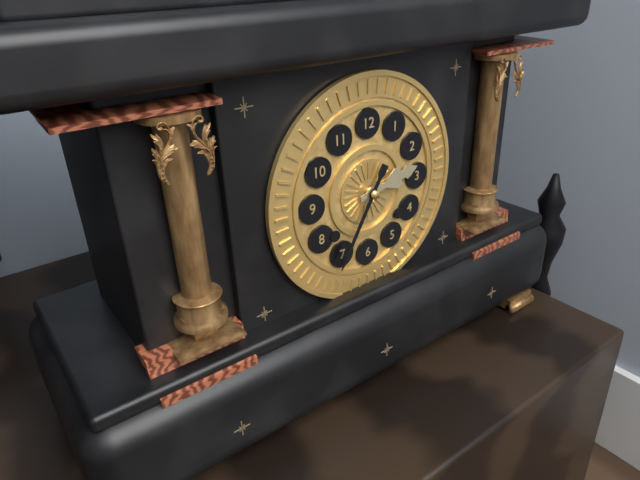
**2:35**
